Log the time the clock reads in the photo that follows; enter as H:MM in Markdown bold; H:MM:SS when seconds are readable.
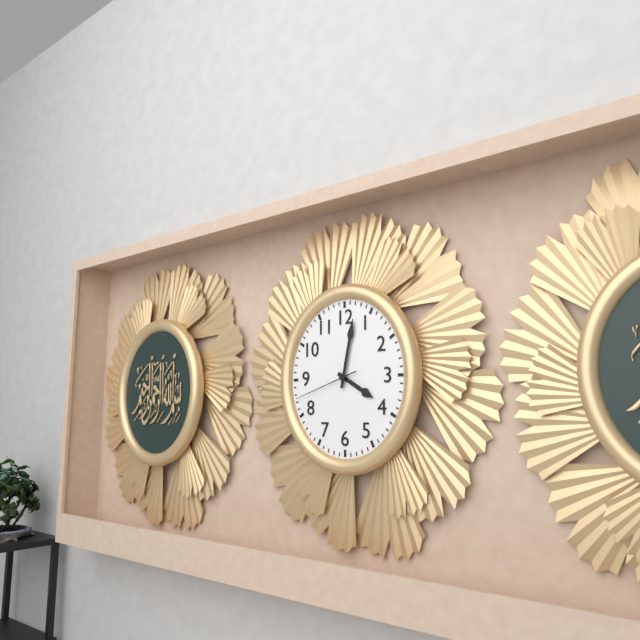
**4:02:42**
